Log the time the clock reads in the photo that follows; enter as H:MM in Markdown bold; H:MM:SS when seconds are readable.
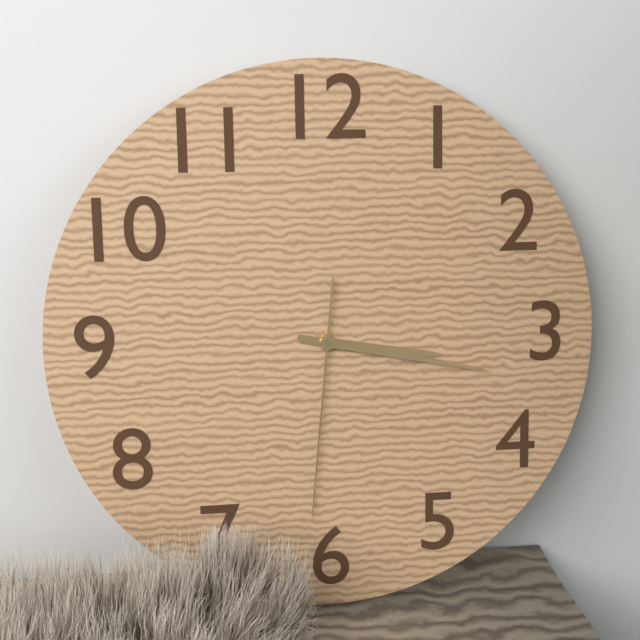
**3:17:31**
